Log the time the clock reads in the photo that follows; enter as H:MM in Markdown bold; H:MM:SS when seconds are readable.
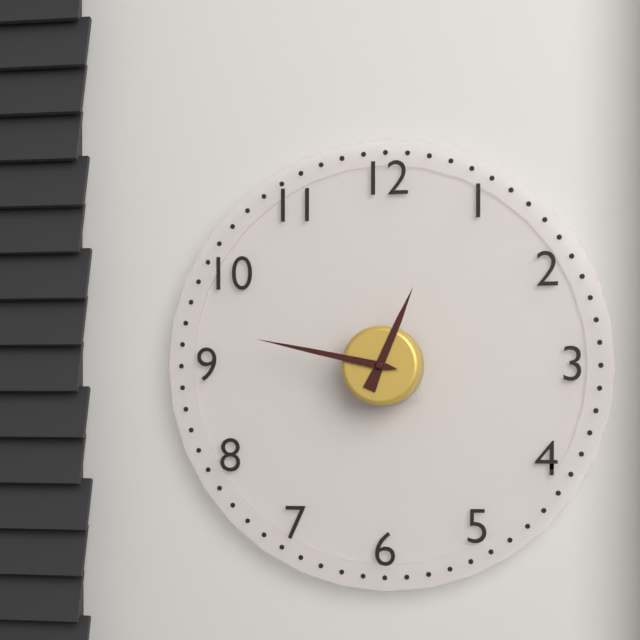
**12:47**
